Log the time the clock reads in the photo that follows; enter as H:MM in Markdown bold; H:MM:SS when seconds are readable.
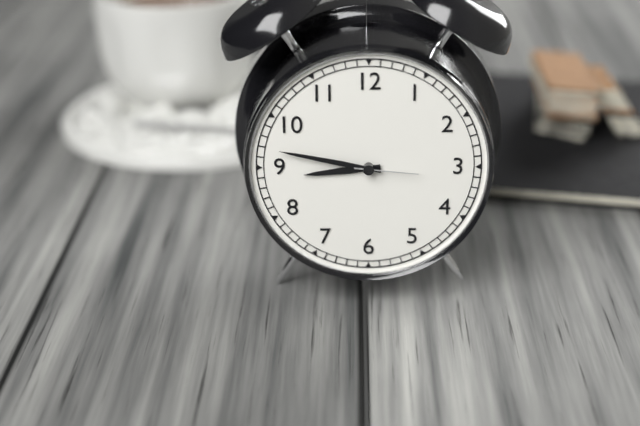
**8:47:16**
